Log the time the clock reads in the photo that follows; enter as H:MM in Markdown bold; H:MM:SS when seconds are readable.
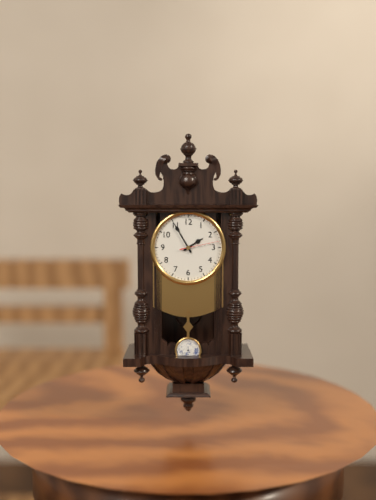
**1:55**
